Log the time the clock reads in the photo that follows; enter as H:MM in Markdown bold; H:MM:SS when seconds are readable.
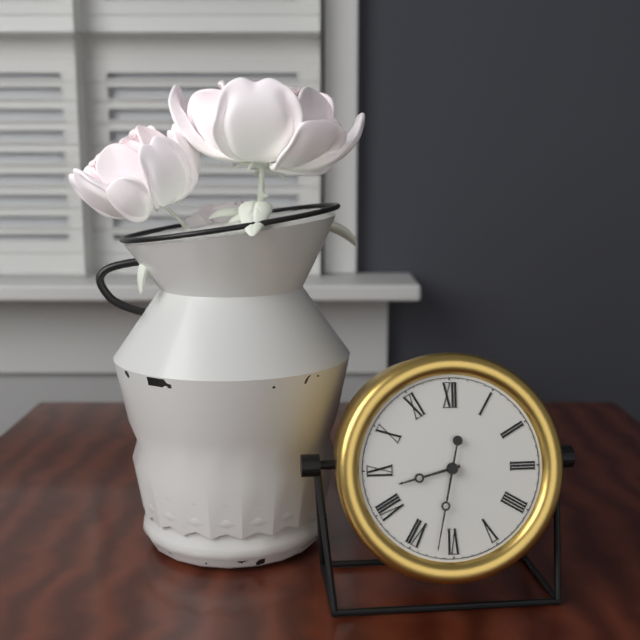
**8:32**
